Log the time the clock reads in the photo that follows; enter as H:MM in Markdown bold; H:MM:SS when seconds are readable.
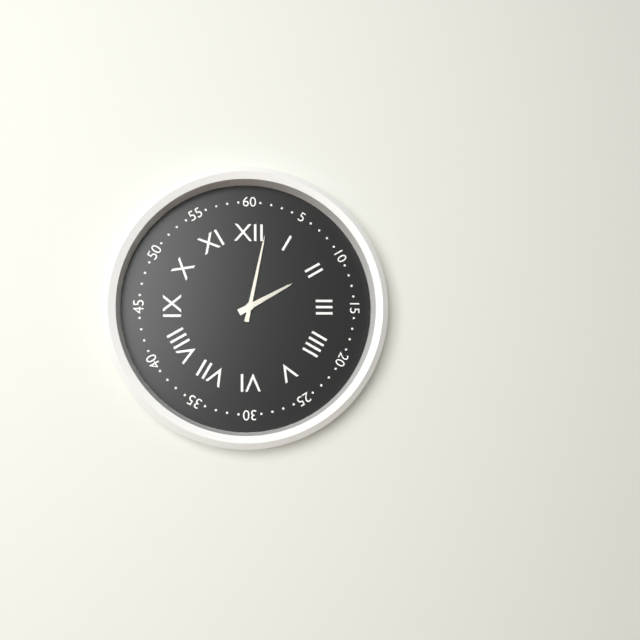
**2:02**
